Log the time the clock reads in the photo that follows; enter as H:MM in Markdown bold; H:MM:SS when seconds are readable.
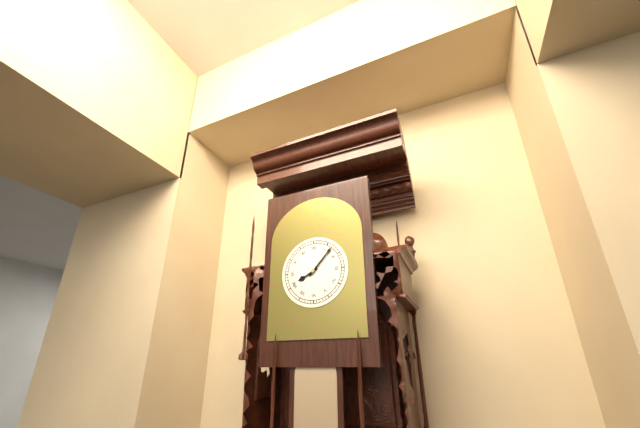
**8:07**
